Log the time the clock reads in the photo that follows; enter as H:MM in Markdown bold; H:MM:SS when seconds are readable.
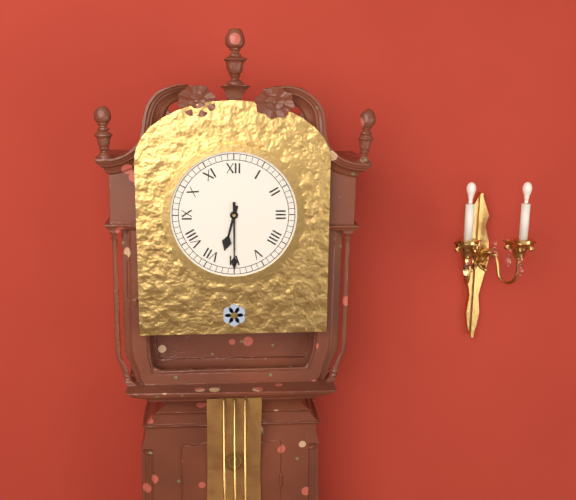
**6:30**
